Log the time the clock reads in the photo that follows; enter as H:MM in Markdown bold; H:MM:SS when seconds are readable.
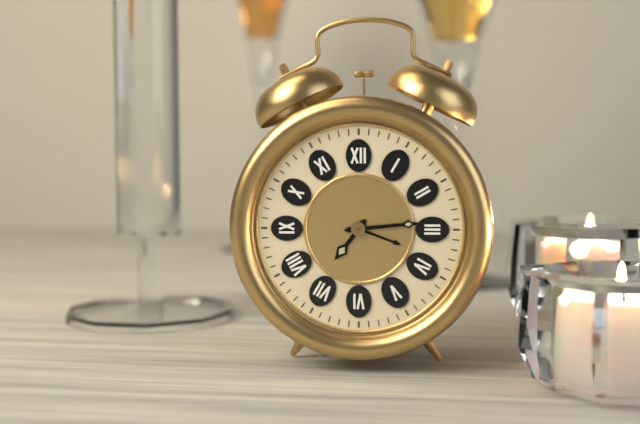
**7:14**
